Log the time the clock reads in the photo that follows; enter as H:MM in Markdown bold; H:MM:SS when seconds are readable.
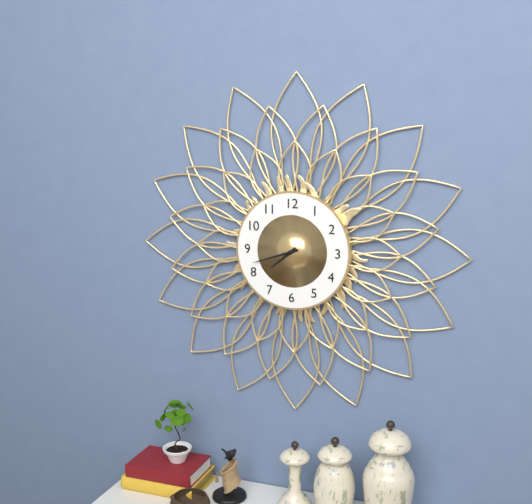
**7:42**
